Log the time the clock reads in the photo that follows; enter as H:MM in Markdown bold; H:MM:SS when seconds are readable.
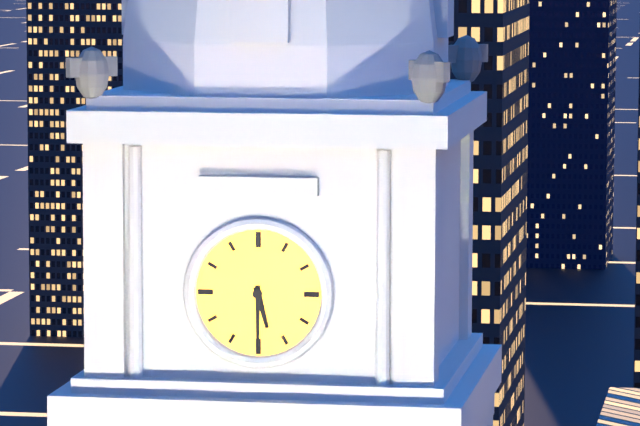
**5:30**
